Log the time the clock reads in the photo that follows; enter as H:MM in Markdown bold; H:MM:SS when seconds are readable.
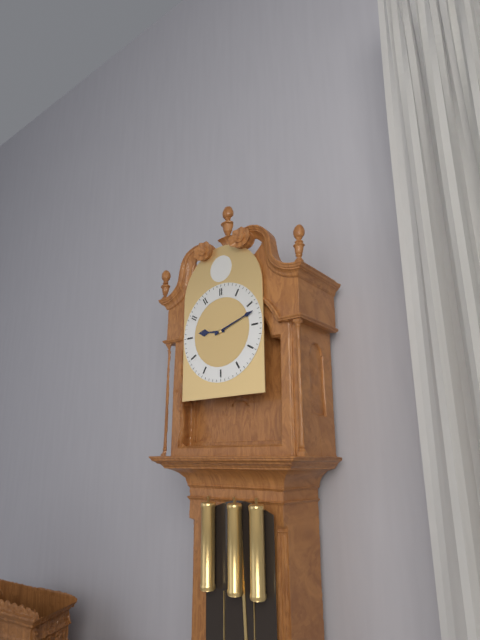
**9:12**
